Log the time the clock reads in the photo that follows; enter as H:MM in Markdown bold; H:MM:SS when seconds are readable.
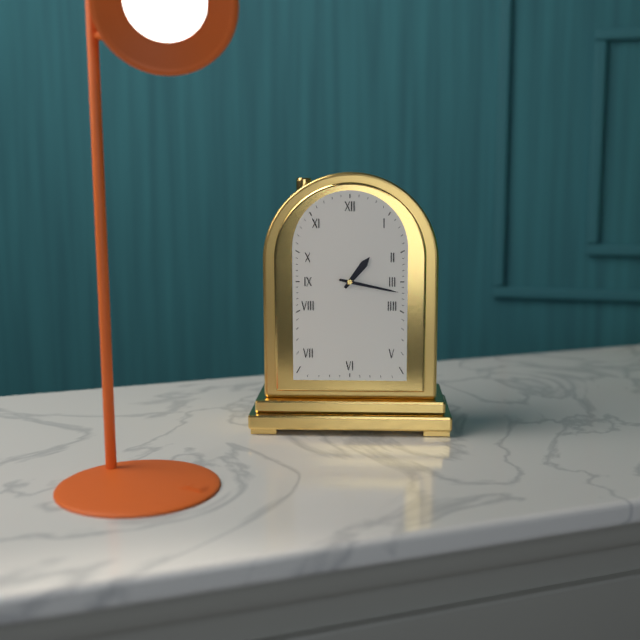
**1:17**
